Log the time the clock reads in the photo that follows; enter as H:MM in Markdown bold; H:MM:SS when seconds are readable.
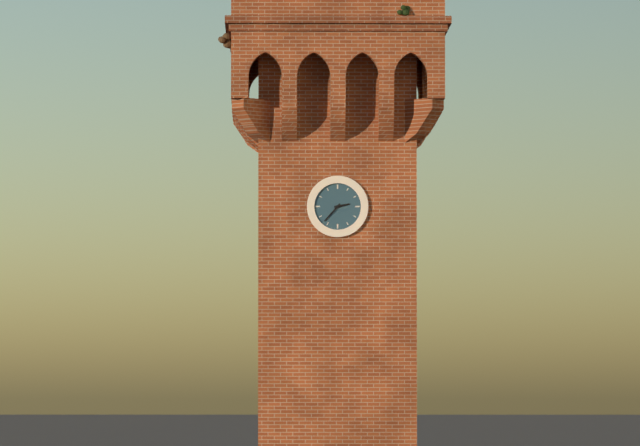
**2:37**
